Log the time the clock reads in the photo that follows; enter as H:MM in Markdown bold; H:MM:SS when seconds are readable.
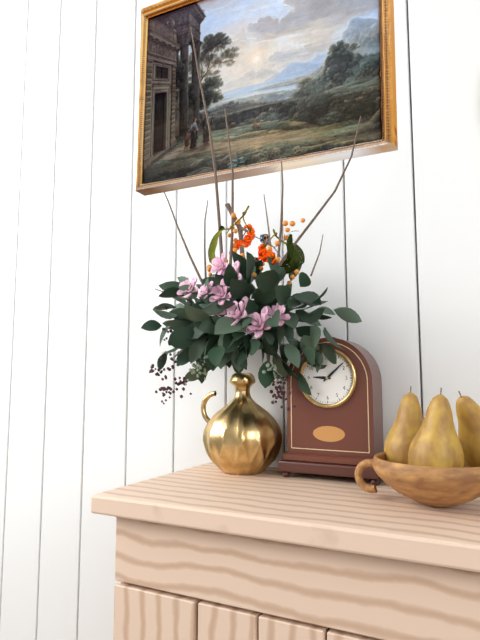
**9:08**
